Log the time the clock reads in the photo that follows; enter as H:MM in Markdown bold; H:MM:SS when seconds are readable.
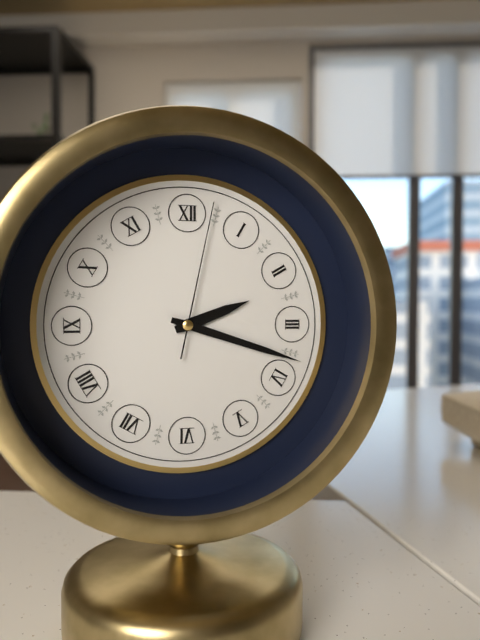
**2:18:02**
